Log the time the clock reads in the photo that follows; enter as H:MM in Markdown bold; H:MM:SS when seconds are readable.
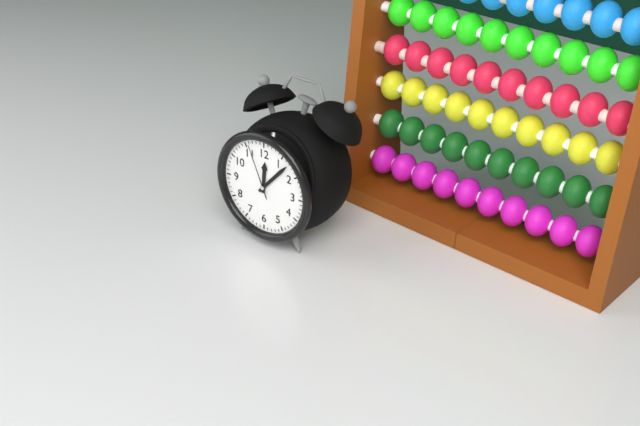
**12:07:56**
